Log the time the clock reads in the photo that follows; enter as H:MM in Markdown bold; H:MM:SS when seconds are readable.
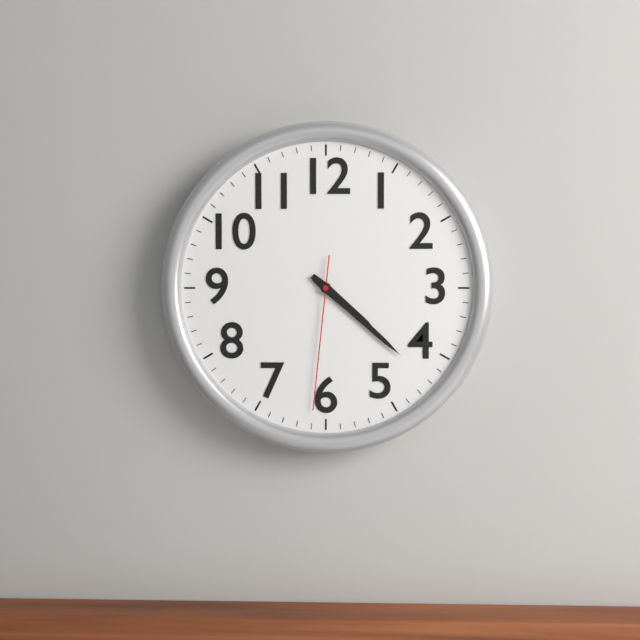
**4:22:31**
